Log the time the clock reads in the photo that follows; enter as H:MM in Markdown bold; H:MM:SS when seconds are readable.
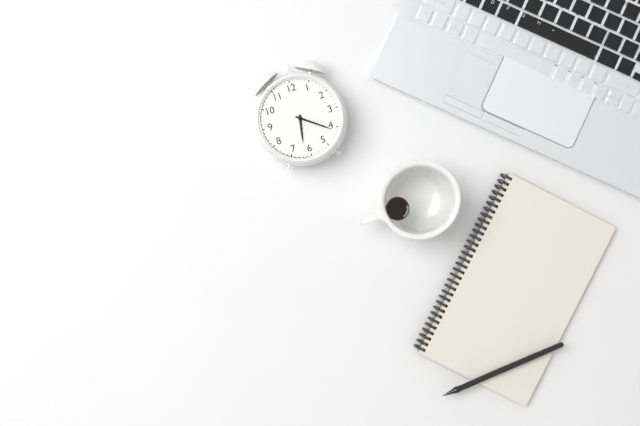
**6:21**
